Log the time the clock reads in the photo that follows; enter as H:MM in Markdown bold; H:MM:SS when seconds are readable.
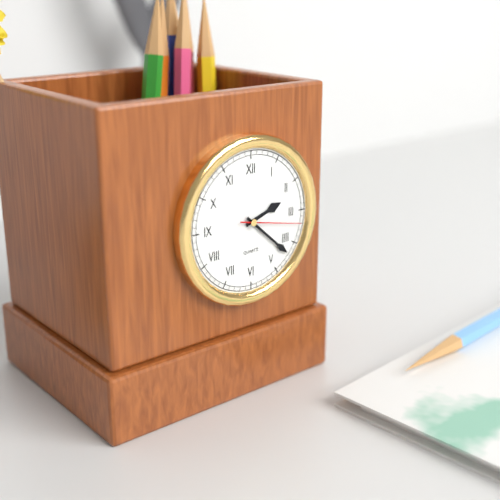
**2:22:17**
